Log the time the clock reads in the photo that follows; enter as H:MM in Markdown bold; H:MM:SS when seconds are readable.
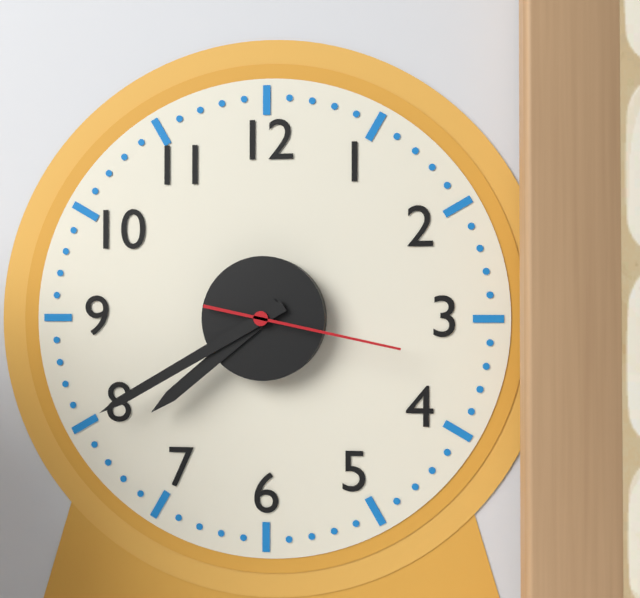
**7:40:17**
